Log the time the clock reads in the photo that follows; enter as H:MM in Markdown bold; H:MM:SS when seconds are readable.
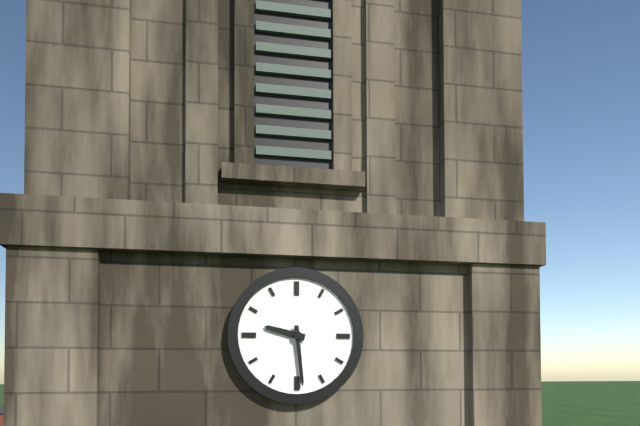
**9:29**
